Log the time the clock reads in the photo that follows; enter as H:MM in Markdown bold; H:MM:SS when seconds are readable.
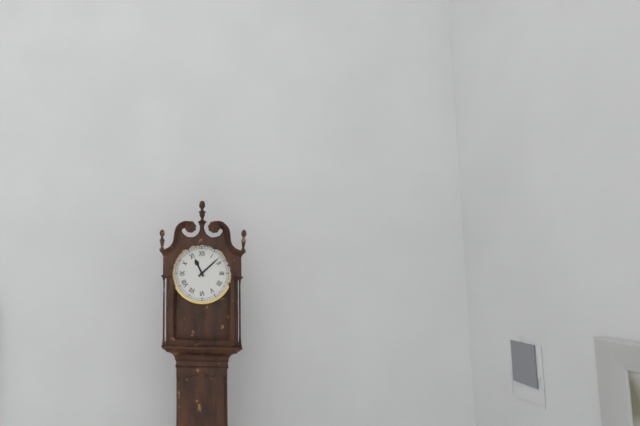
**11:08**
